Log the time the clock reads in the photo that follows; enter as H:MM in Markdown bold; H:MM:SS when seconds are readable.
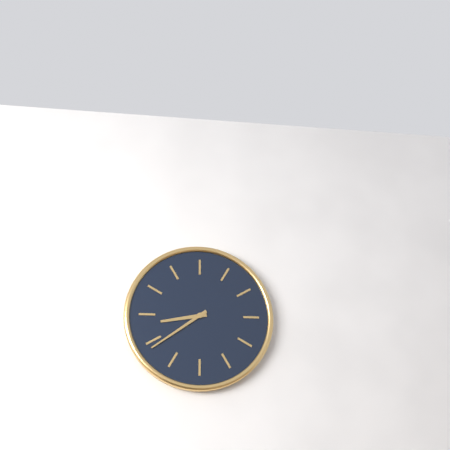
**8:39**
